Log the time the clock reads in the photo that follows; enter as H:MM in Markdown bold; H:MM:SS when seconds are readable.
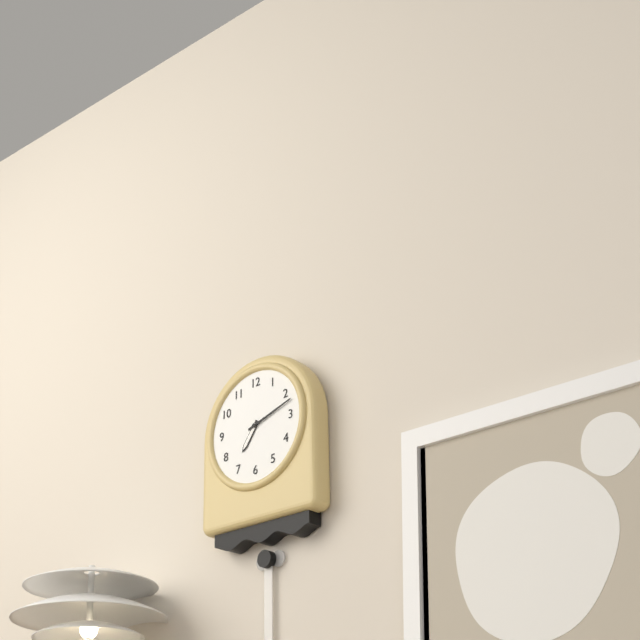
**7:12**
